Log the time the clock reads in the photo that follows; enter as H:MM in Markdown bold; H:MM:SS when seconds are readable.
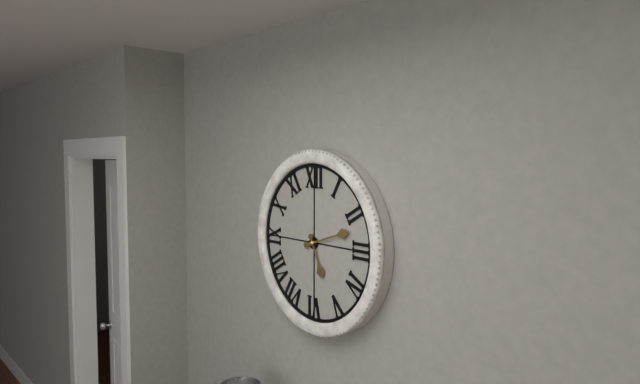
**5:12**
